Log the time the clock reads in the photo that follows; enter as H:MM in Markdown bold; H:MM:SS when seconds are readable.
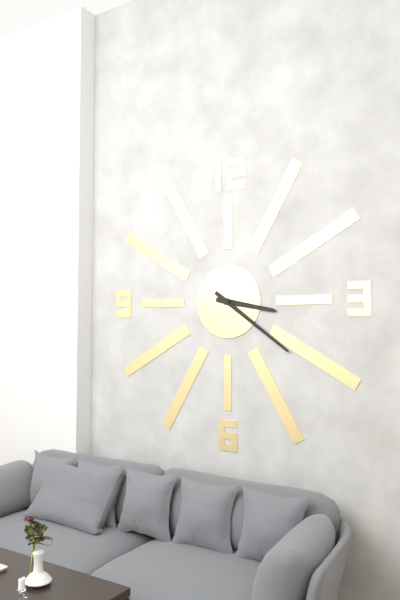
**3:21**
